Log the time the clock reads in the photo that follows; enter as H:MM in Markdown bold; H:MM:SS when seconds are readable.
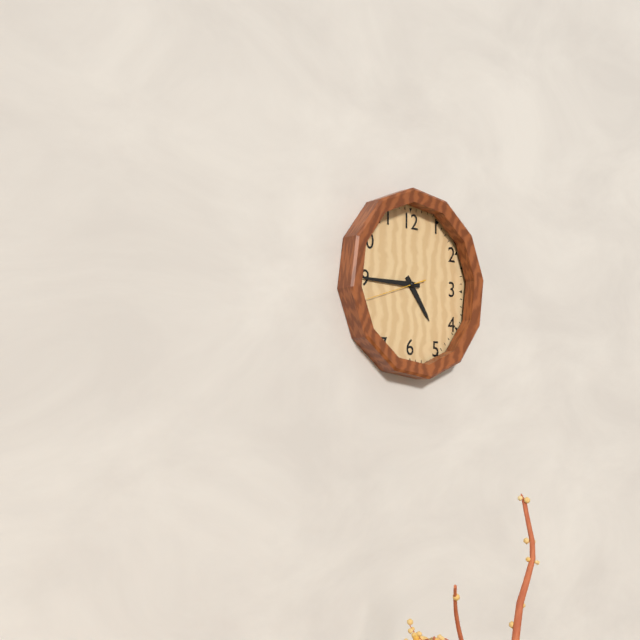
**4:45:42**
